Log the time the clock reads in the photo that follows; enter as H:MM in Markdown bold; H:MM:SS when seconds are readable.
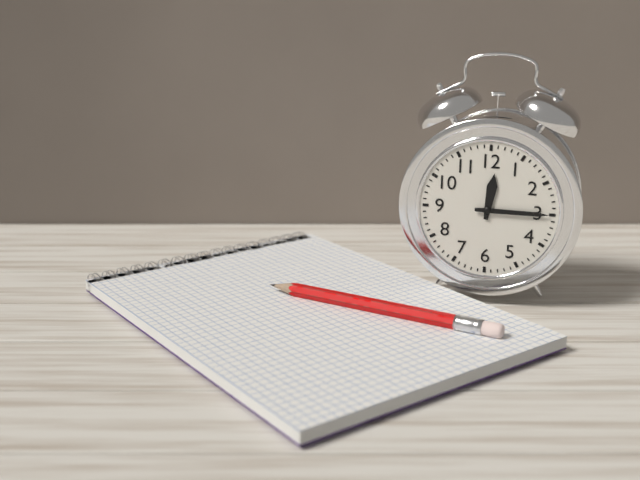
**12:15**
